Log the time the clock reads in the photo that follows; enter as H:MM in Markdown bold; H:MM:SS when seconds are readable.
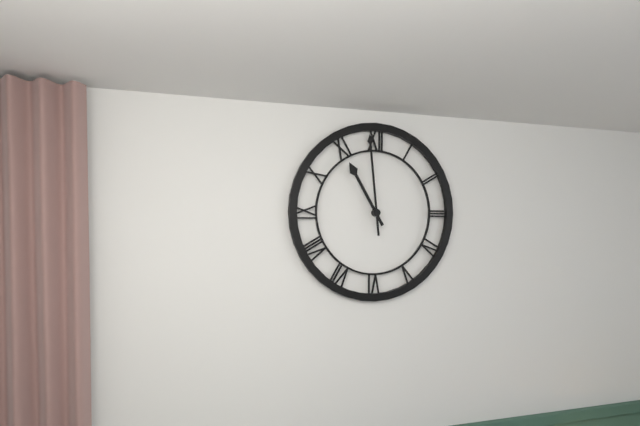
**10:59**
